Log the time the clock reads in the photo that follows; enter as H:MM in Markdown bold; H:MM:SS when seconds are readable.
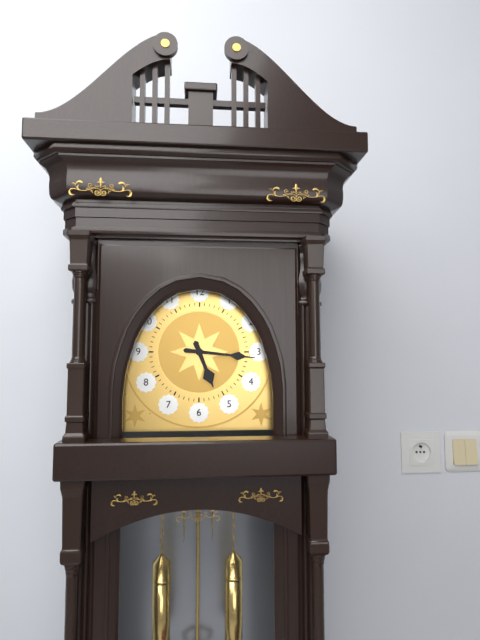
**5:16**
